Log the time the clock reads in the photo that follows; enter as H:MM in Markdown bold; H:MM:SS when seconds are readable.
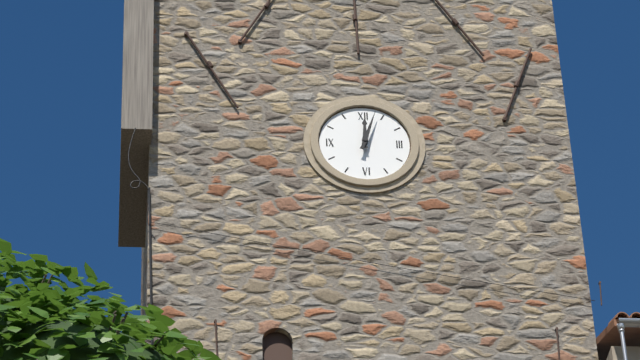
**12:03**
